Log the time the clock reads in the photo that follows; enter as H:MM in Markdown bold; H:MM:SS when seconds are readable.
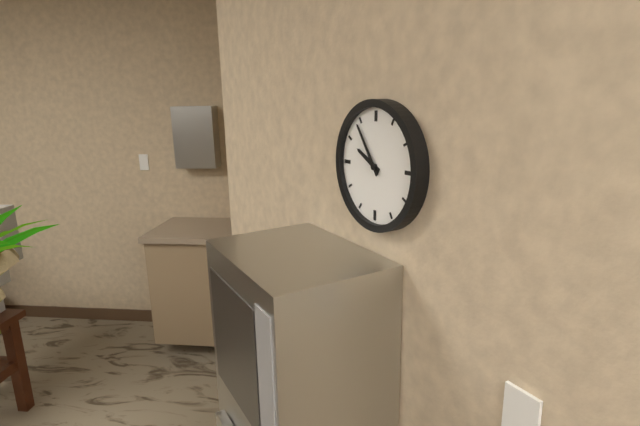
**9:54**
